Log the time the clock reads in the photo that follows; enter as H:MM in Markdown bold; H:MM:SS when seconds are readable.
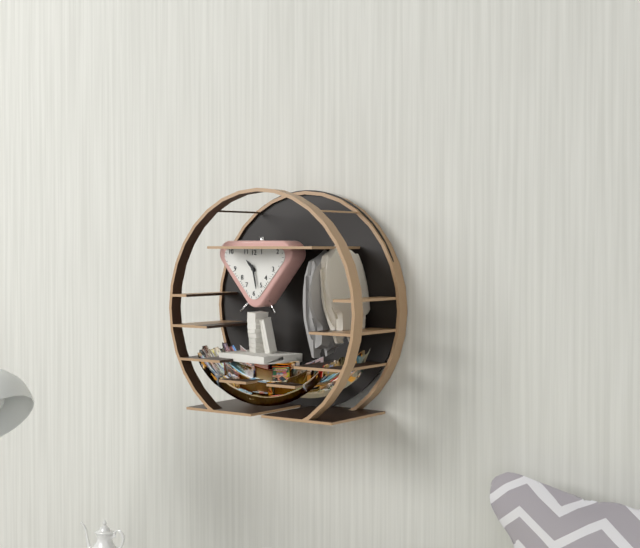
**10:28**
